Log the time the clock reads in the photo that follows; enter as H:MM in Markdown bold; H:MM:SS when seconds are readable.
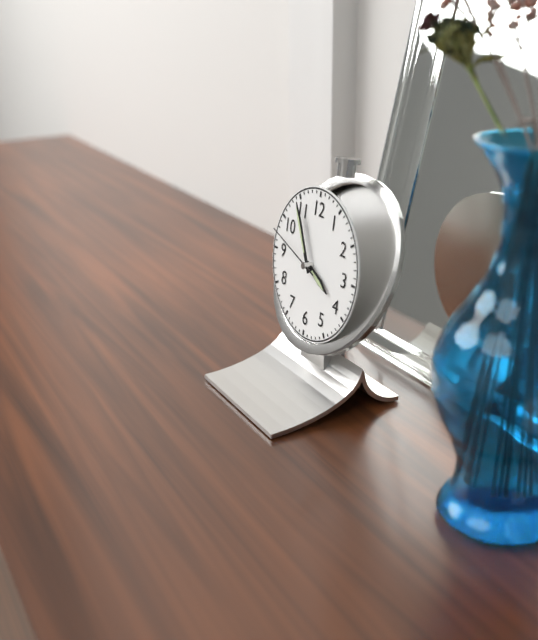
**3:55:48**
